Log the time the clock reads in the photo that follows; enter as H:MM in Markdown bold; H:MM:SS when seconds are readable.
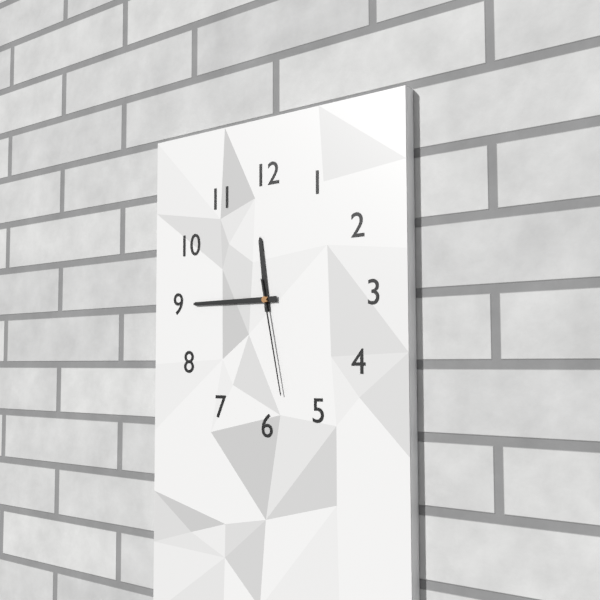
**11:45:28**
